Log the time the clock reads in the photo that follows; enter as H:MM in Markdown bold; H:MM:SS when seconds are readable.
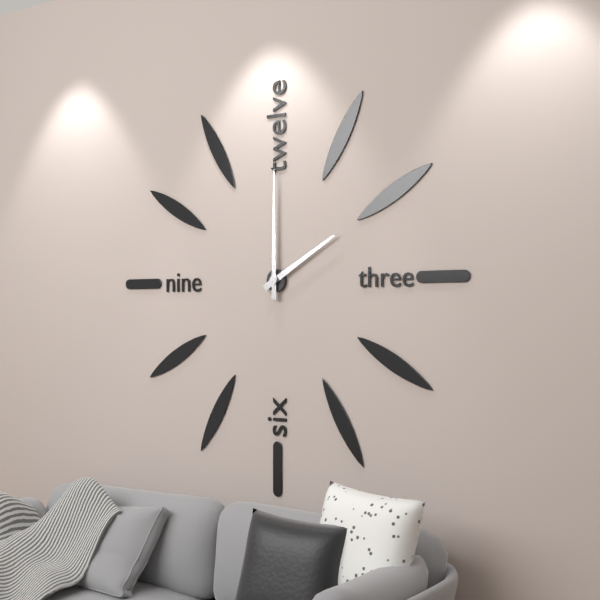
**2:00**
